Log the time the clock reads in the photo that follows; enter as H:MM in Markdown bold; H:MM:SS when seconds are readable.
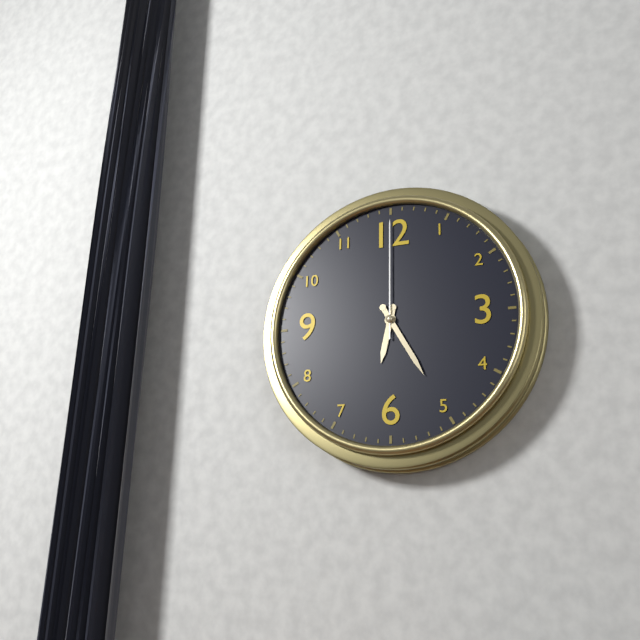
**6:25:00**
